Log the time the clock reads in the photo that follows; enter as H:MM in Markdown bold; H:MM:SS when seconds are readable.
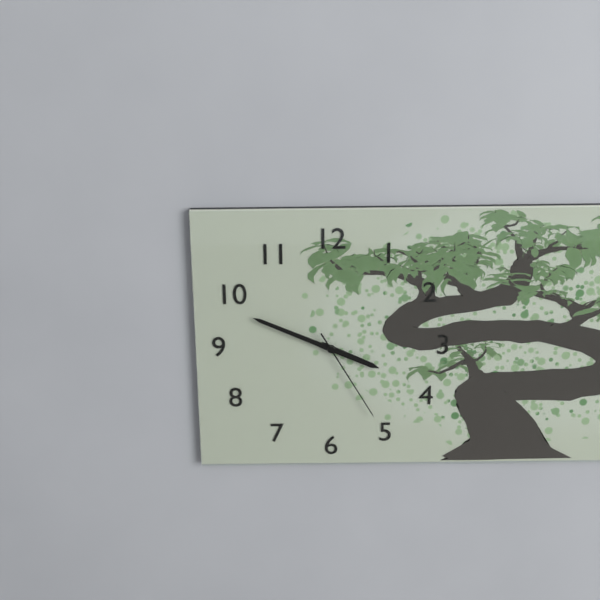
**3:49:25**
